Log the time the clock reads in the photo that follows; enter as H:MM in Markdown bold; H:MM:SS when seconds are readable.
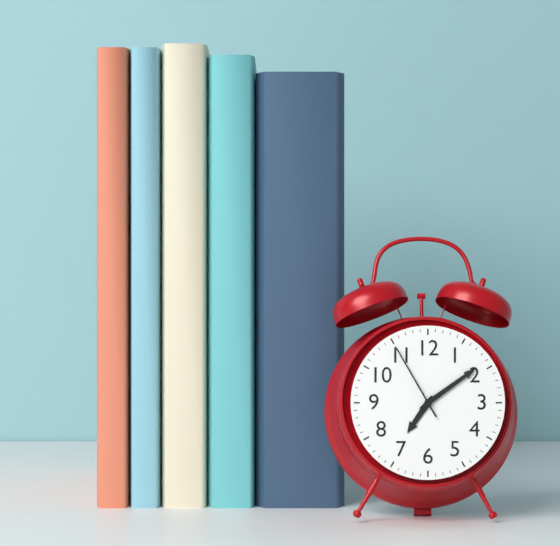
**7:09:55**
